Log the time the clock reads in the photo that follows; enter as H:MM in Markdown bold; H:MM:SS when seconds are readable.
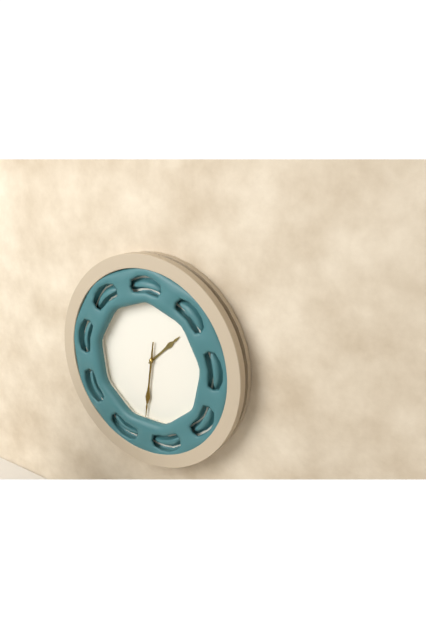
**1:31**
